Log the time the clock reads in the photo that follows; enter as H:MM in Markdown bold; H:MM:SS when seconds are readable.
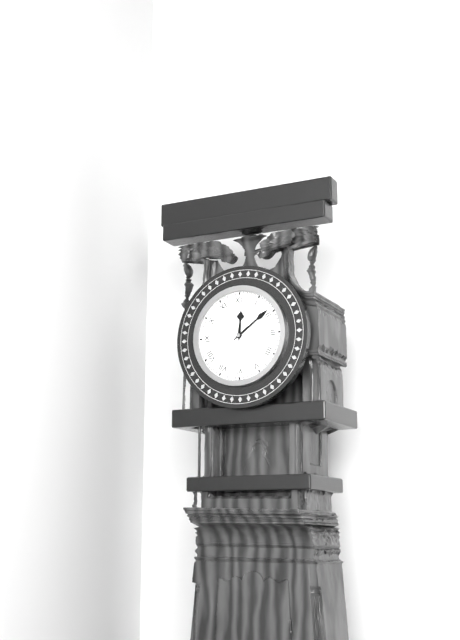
**12:09**
